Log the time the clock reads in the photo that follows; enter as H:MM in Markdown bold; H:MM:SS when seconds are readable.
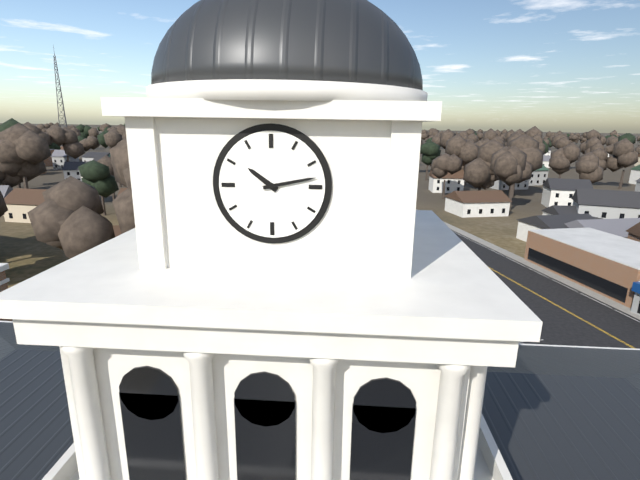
**10:13**
